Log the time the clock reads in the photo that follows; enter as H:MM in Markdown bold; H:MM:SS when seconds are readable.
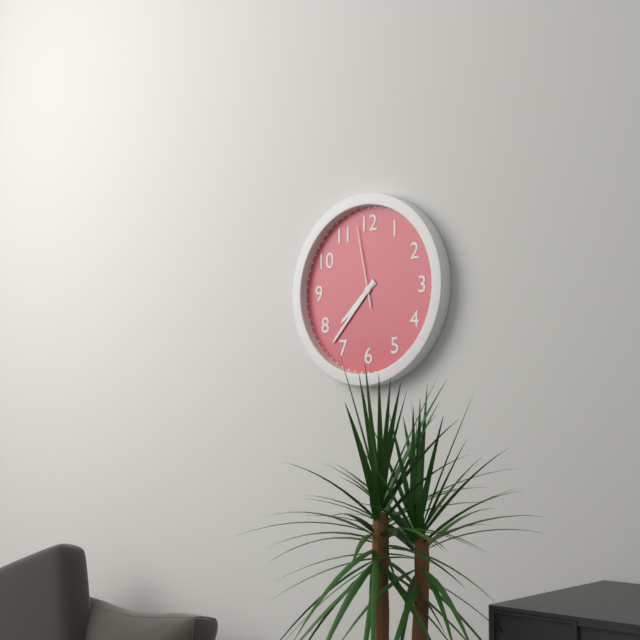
**7:37:58**
